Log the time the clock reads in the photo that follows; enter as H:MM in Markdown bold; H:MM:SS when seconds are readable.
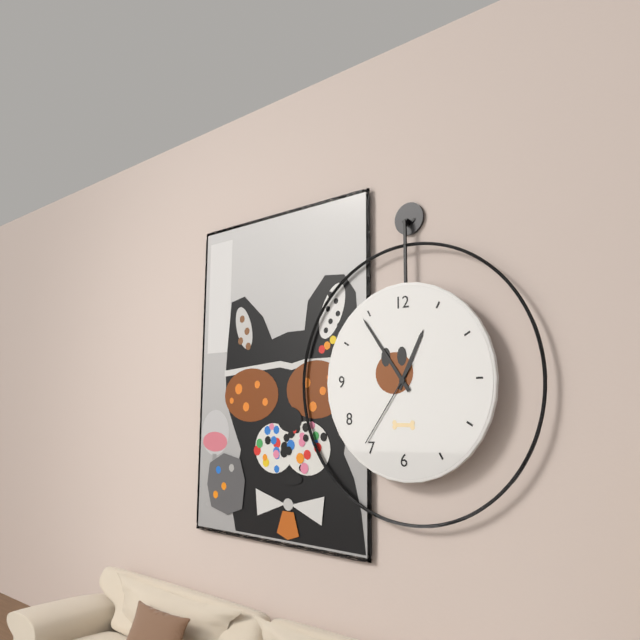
**12:54:36**
